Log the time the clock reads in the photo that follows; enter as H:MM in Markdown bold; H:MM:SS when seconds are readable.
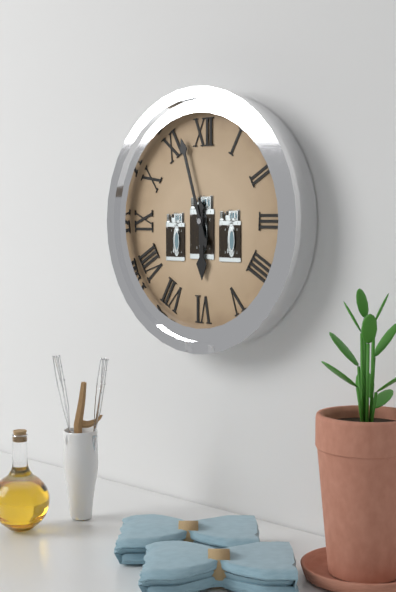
**5:57**
